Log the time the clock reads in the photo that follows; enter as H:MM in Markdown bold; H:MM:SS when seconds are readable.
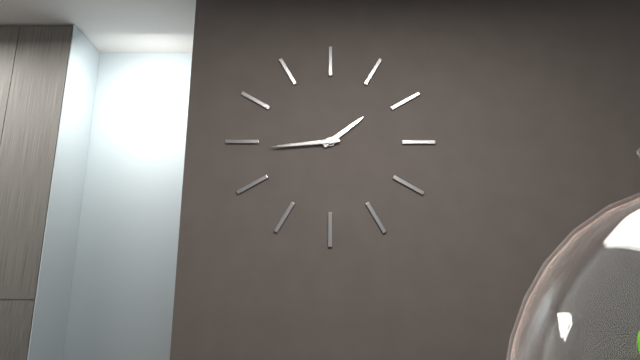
**1:44**
